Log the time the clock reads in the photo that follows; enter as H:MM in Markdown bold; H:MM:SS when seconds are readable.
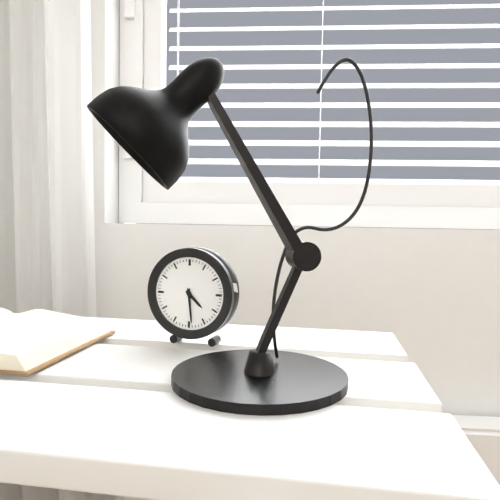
**4:29**
